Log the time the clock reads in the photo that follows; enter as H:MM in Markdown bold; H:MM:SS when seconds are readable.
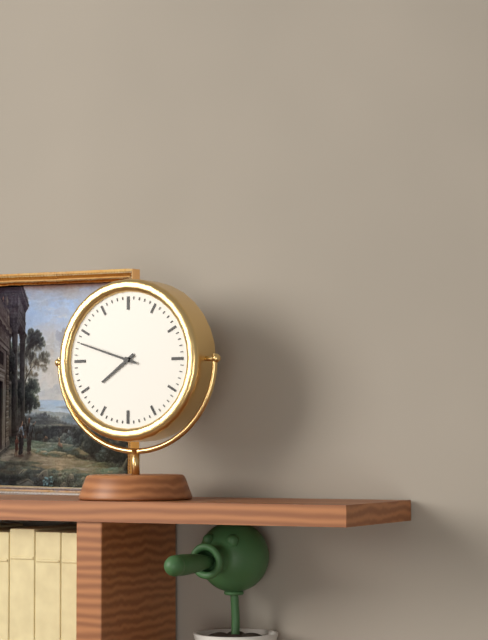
**7:48**
